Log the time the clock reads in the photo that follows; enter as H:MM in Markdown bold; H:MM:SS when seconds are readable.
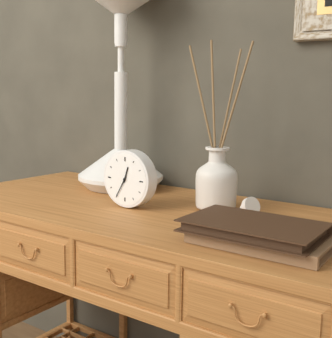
**12:35**
